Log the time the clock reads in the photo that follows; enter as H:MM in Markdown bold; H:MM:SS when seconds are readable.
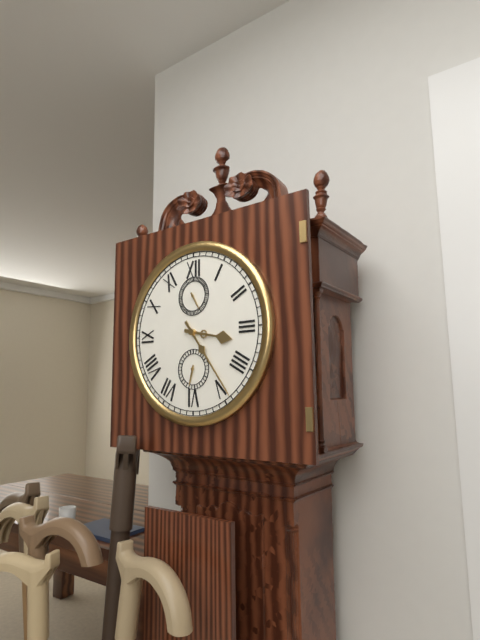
**3:24**
